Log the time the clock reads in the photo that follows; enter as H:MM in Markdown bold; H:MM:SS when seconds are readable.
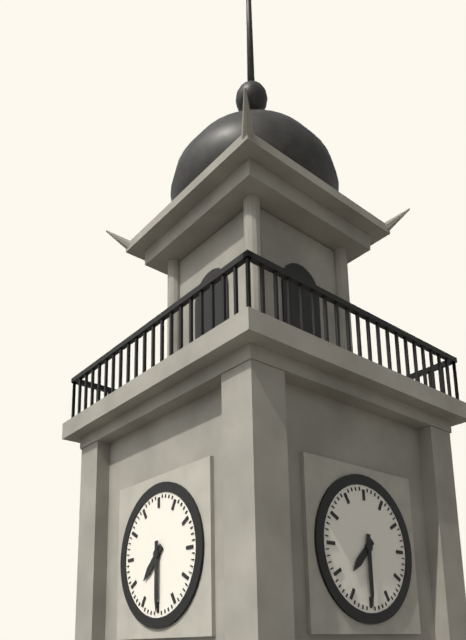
**7:30**
